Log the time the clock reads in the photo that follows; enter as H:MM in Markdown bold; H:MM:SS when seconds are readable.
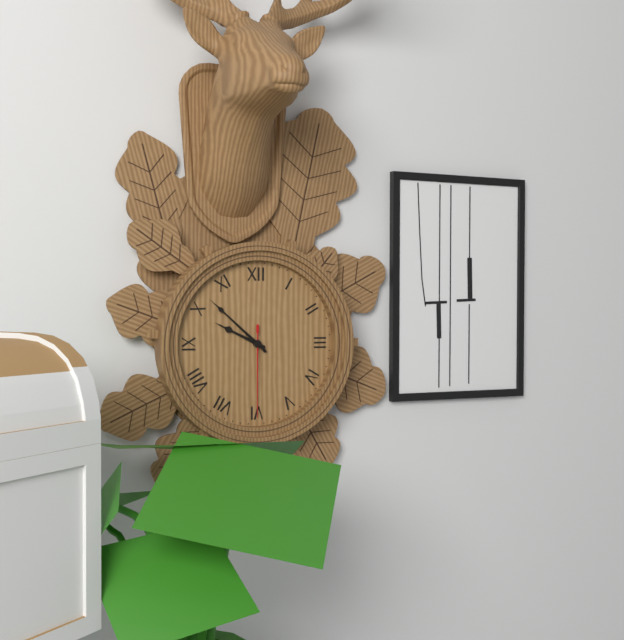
**9:52:30**
